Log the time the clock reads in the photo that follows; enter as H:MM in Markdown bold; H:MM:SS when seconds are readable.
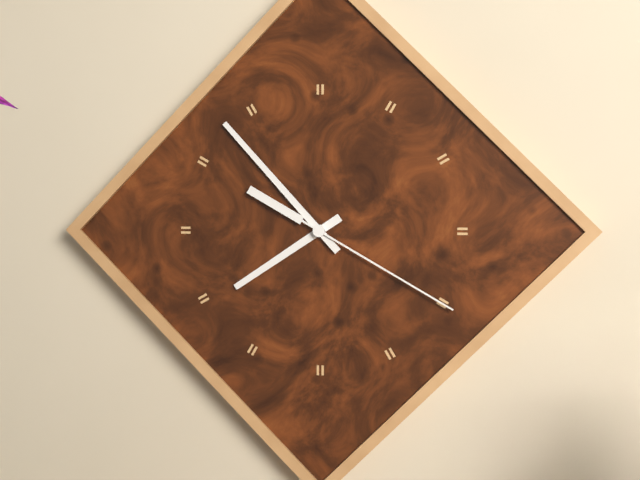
**7:53:20**
